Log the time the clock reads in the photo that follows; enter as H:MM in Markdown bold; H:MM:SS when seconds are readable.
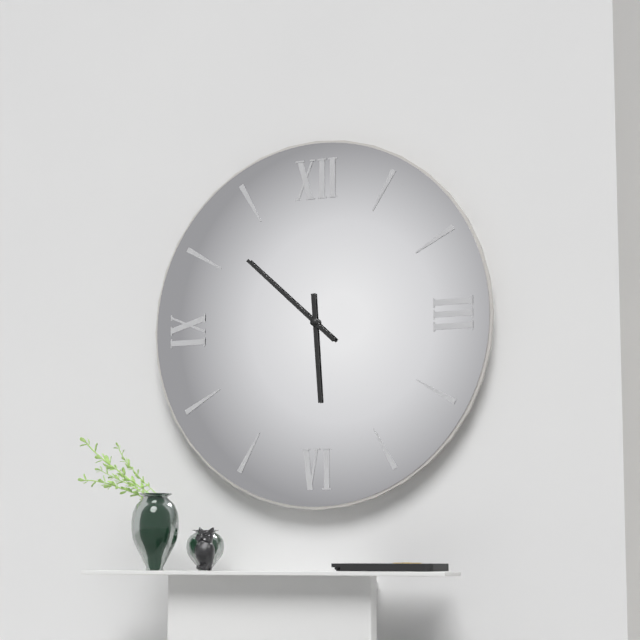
**5:52**
